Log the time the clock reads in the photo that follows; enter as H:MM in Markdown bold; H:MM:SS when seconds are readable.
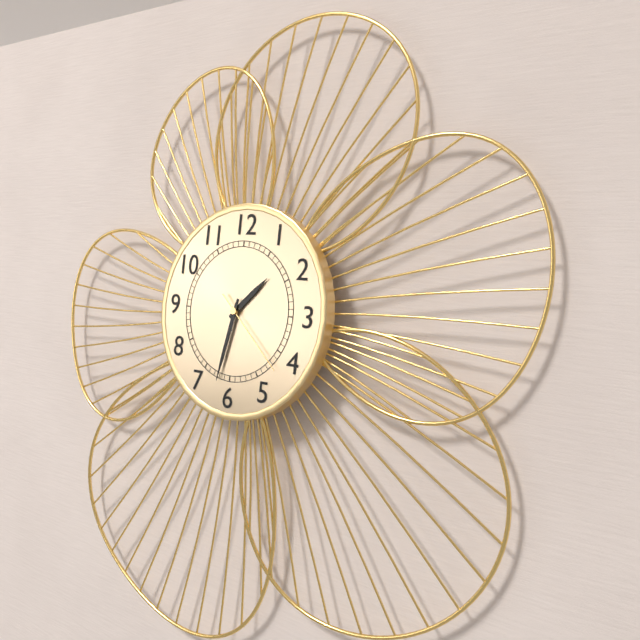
**1:32:22**
